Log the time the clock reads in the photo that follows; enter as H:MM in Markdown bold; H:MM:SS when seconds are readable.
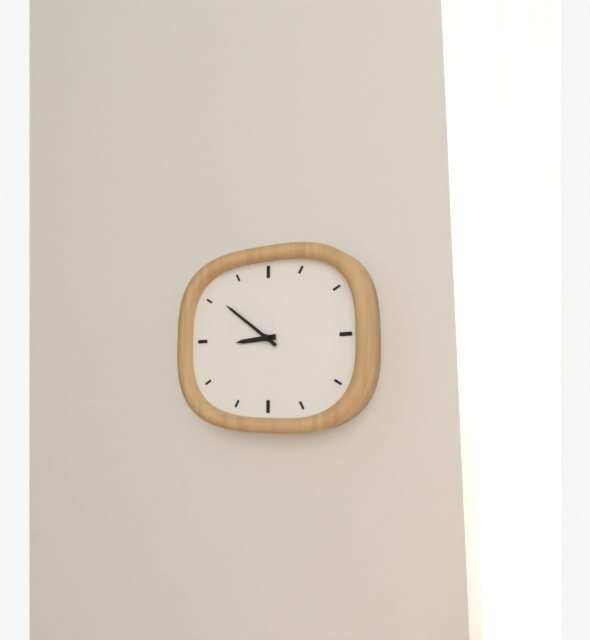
**8:51**
